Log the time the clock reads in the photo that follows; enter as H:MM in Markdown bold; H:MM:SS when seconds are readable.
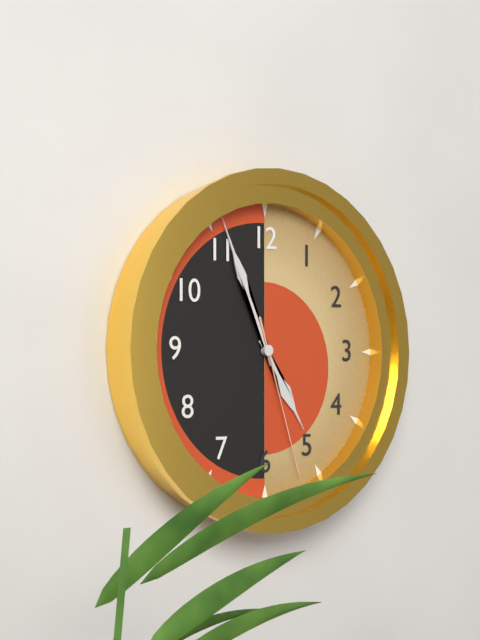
**4:56:27**
